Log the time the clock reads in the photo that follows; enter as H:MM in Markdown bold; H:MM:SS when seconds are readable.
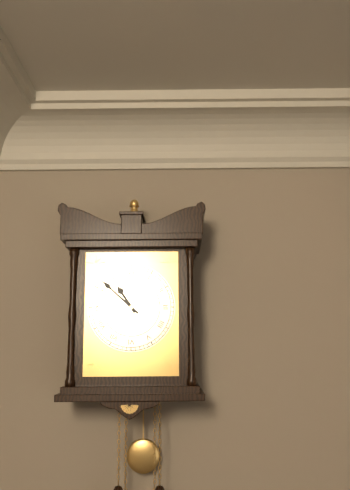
**10:52**
